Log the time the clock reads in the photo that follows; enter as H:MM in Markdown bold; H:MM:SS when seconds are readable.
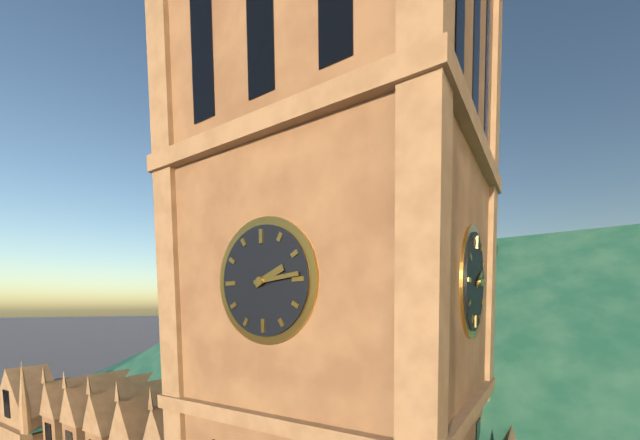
**2:14**
